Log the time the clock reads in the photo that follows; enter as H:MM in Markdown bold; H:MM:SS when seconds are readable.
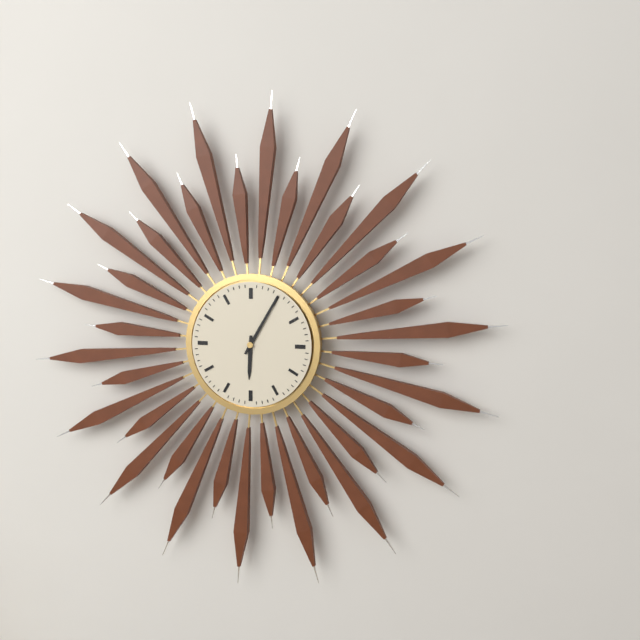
**6:05**
